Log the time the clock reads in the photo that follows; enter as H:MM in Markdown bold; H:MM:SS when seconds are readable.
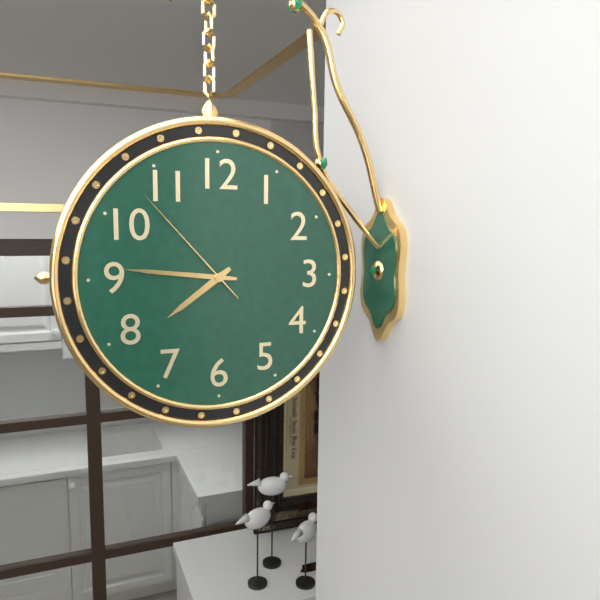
**7:46:53**
